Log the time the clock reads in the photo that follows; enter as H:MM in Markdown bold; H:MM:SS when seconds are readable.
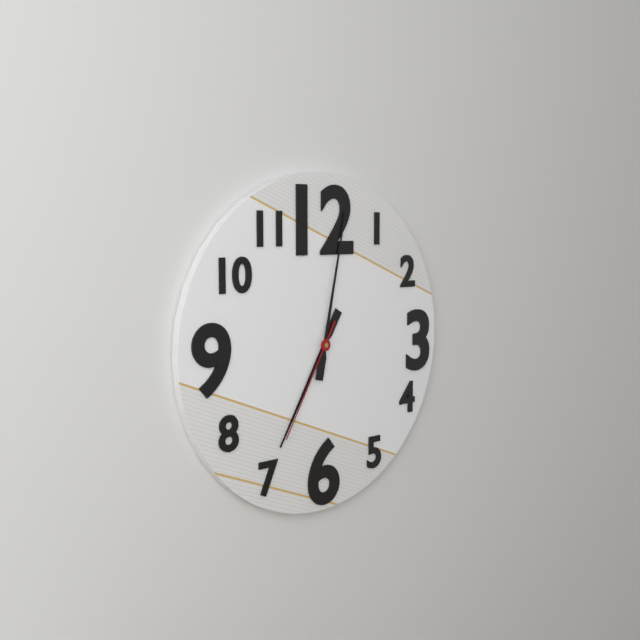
**7:02:35**
